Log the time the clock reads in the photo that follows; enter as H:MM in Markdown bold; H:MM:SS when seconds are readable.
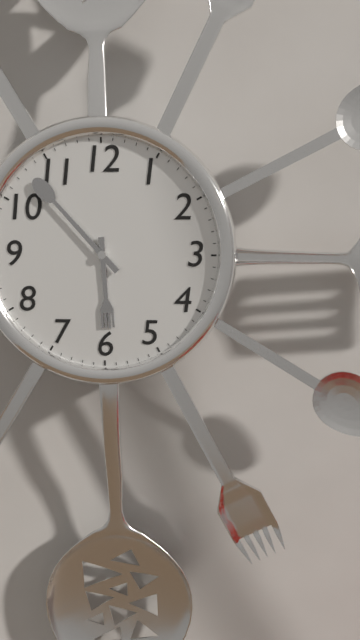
**5:53**
